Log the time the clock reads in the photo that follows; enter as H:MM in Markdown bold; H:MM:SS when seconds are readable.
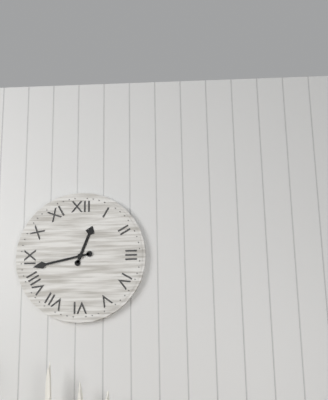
**12:43**
